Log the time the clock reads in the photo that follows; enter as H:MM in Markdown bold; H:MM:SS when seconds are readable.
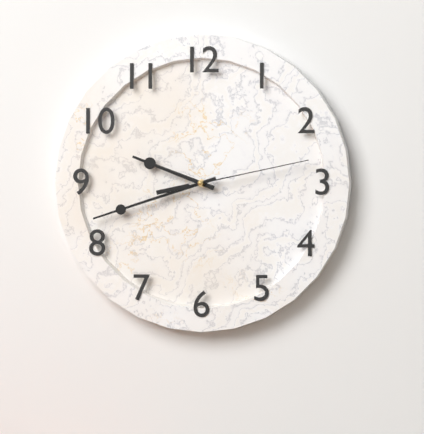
**9:42:13**
